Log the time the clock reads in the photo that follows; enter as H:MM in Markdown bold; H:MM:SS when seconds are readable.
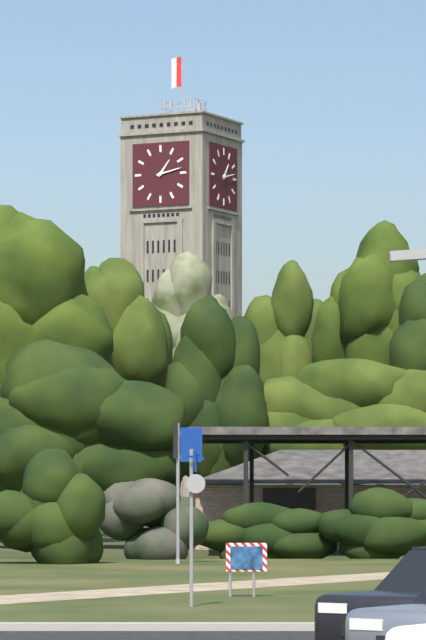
**1:13**
